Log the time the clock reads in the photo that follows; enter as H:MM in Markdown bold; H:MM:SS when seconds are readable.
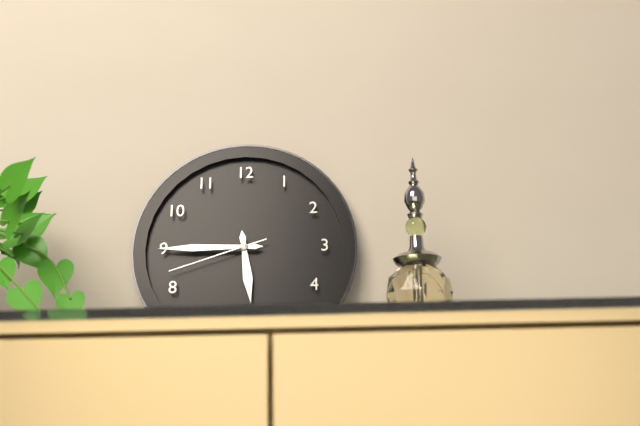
**5:45:42**
